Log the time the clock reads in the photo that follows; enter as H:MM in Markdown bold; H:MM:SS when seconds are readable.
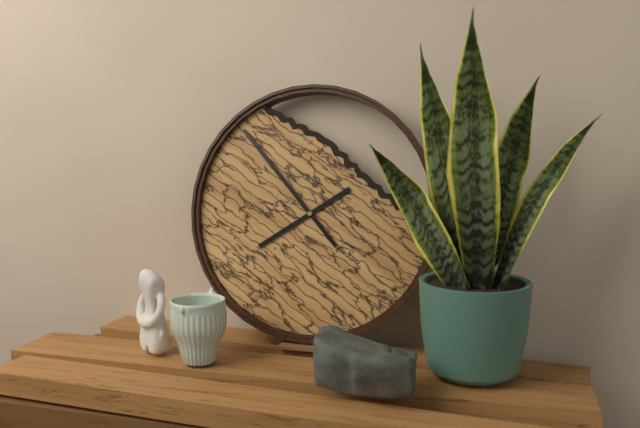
**7:53**
